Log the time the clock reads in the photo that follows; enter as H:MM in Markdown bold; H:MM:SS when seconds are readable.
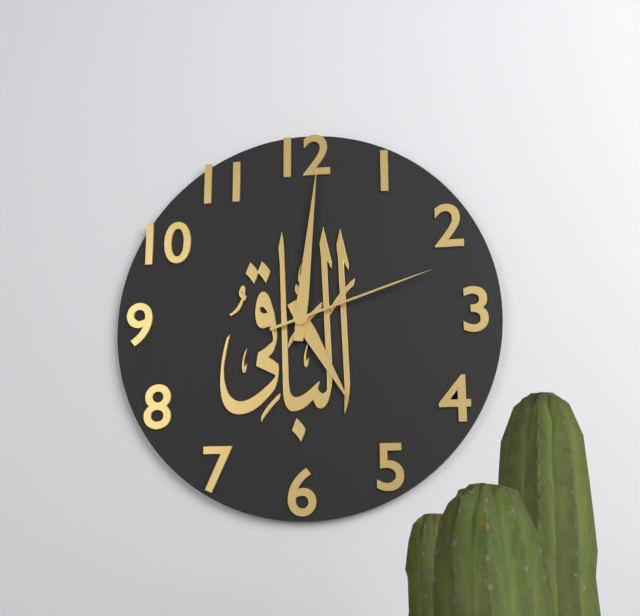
**5:01:12**
